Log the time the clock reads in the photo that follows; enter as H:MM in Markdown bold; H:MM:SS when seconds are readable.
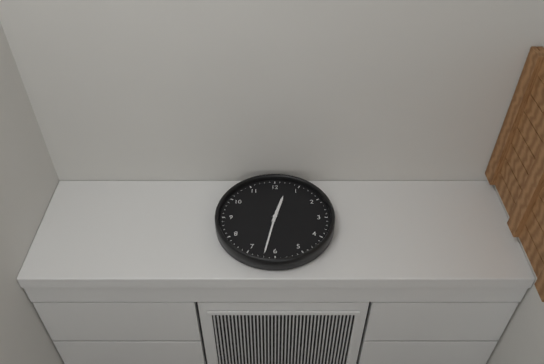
**12:32**
